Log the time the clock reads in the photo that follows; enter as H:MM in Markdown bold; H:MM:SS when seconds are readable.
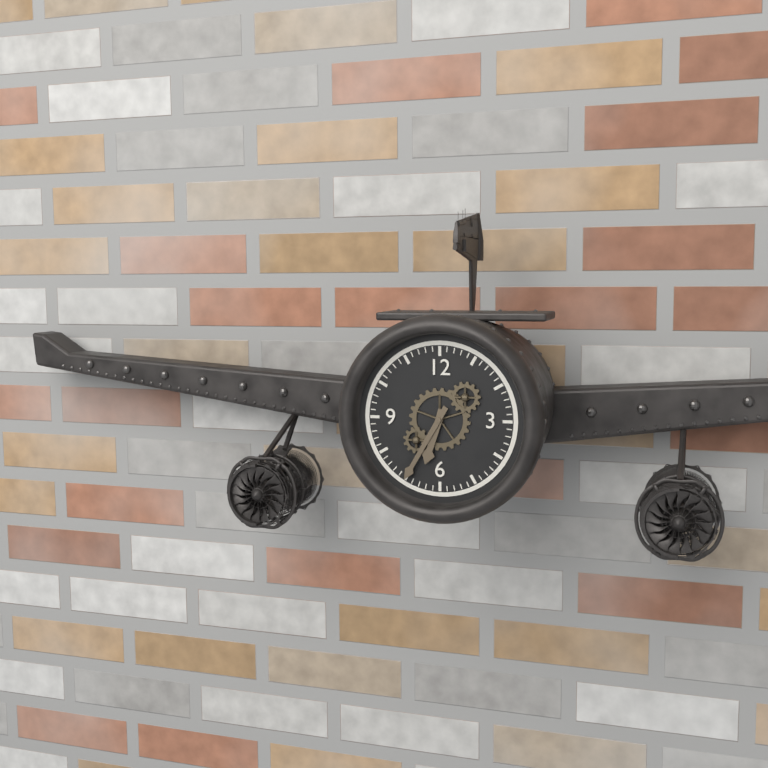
**6:35**
